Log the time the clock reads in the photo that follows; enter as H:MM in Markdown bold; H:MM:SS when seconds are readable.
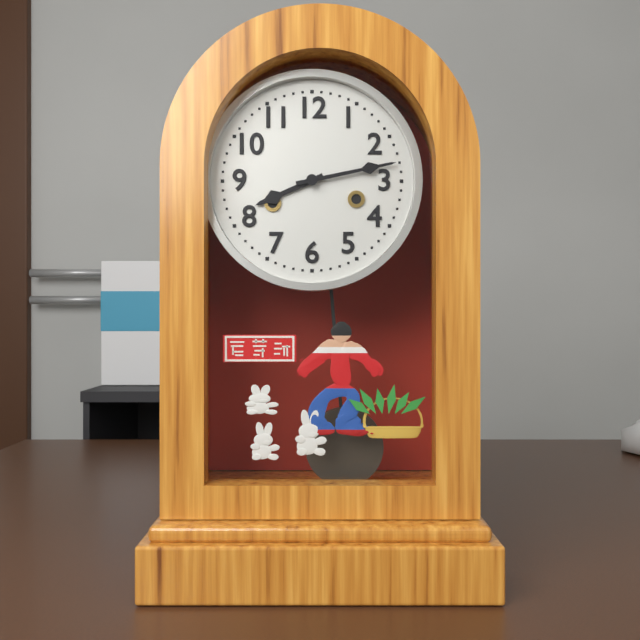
**8:13**
